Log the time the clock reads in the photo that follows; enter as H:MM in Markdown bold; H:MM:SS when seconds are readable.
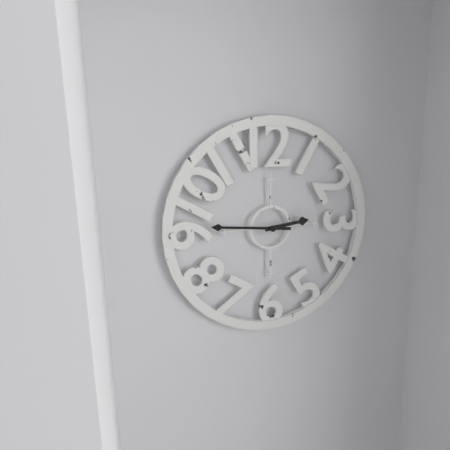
**2:46**
